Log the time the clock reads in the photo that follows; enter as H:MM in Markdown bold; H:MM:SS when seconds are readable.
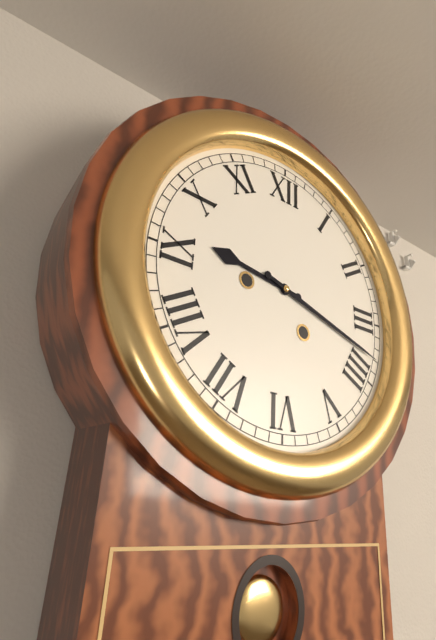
**9:18**
